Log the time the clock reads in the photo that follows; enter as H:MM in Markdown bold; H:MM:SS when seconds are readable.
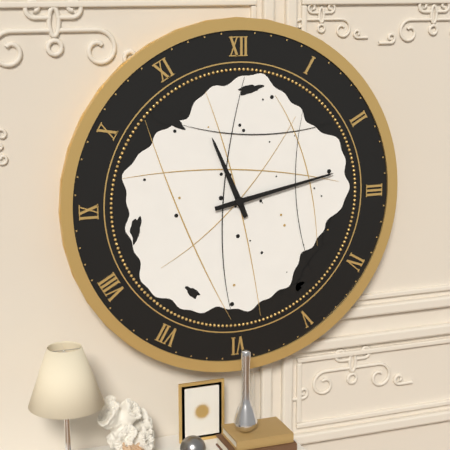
**11:13**
